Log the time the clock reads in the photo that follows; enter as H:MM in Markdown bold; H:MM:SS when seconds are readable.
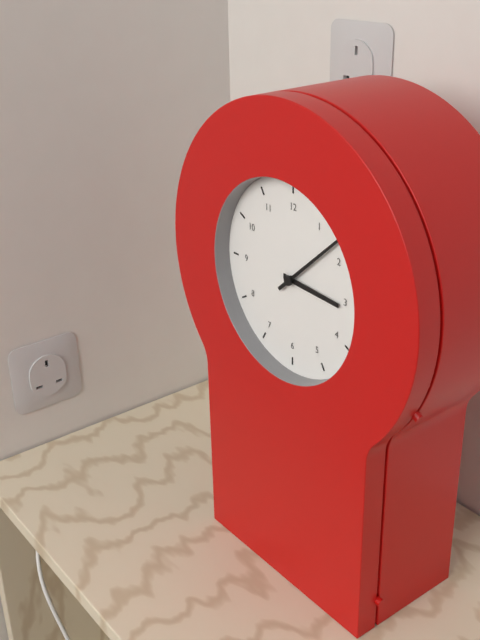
**3:08**
